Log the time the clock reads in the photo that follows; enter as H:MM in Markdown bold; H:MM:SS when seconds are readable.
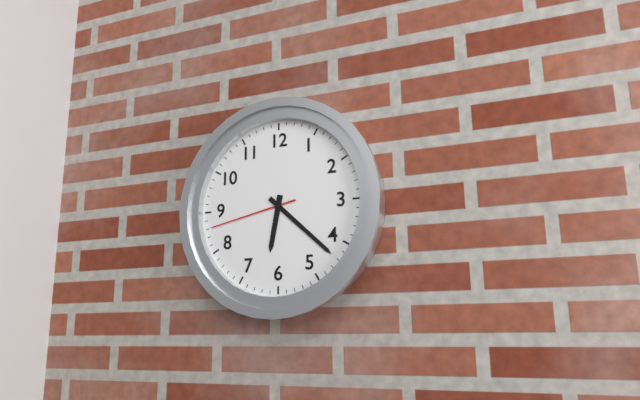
**6:22:43**
